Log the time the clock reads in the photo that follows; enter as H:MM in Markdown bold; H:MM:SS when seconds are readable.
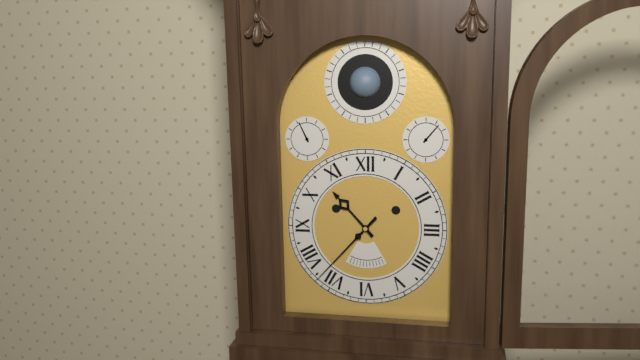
**10:37**
